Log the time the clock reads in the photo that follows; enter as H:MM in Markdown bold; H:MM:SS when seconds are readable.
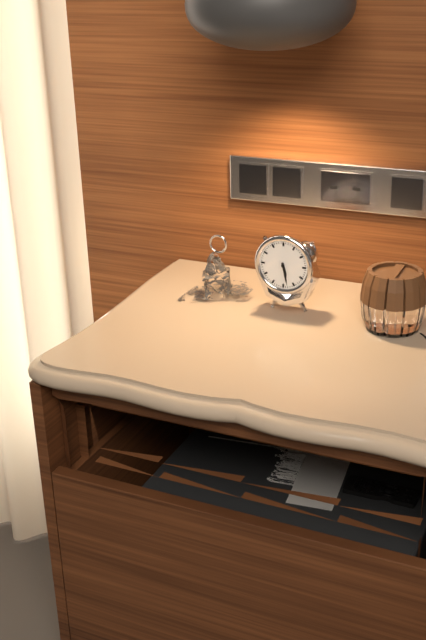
**5:28**
